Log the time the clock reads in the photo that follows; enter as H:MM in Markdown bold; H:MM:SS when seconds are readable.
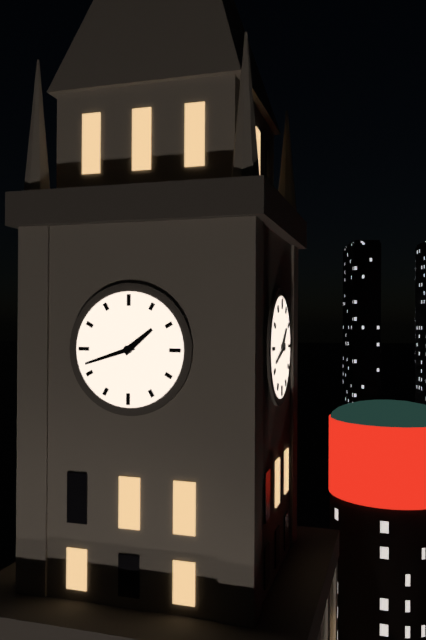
**1:42**
